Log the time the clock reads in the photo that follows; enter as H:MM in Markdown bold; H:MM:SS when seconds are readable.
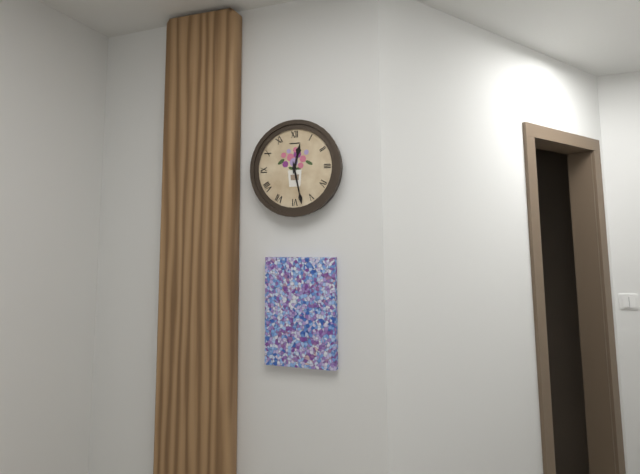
**12:28**
